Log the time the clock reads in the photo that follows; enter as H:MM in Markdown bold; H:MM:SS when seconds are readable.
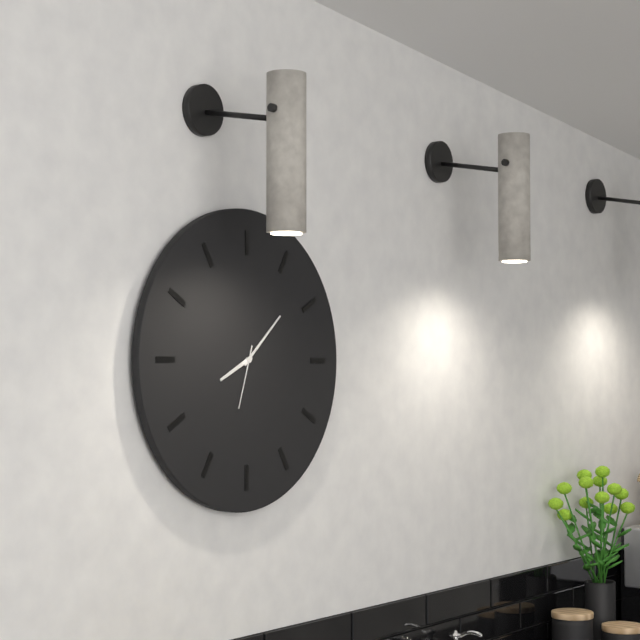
**8:08:33**
